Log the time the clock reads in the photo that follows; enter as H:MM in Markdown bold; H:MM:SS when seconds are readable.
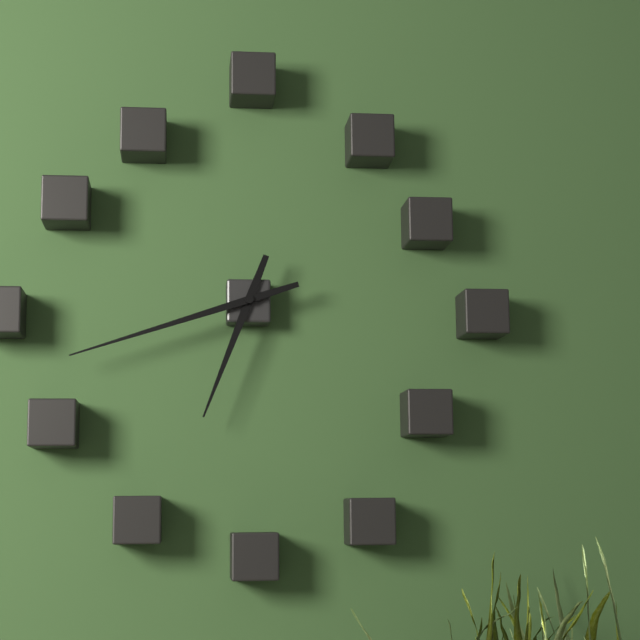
**6:42**
